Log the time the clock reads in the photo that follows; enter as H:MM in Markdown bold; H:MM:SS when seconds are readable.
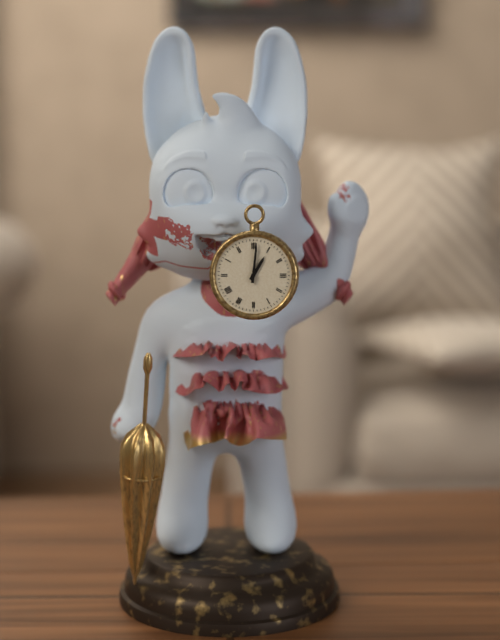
**1:01**
